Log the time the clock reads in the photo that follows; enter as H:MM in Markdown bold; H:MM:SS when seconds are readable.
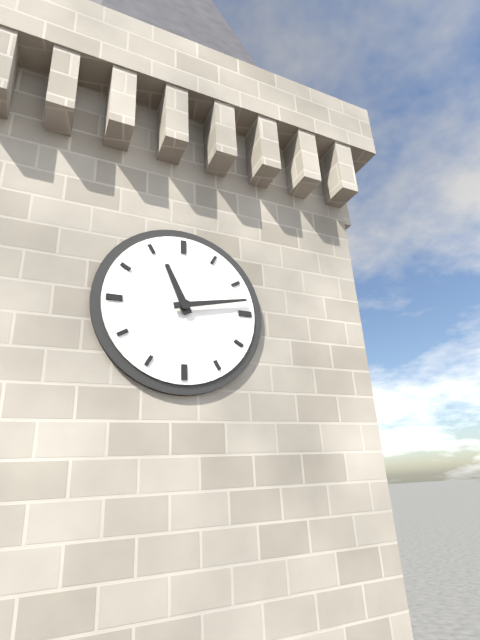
**11:13**
